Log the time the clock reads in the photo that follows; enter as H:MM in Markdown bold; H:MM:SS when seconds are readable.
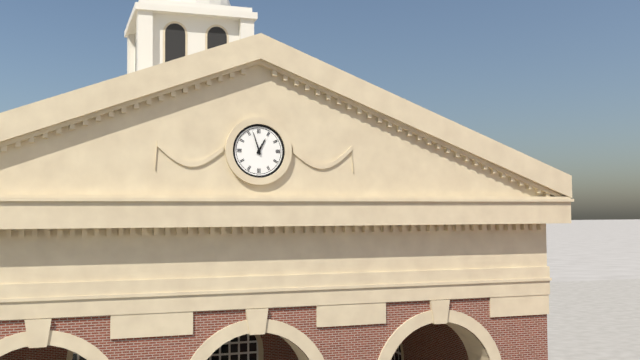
**12:57**
